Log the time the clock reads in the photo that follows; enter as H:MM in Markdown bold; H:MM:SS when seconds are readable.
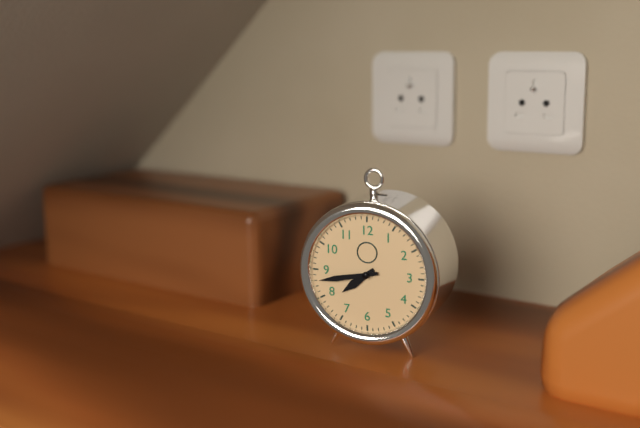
**7:43**
